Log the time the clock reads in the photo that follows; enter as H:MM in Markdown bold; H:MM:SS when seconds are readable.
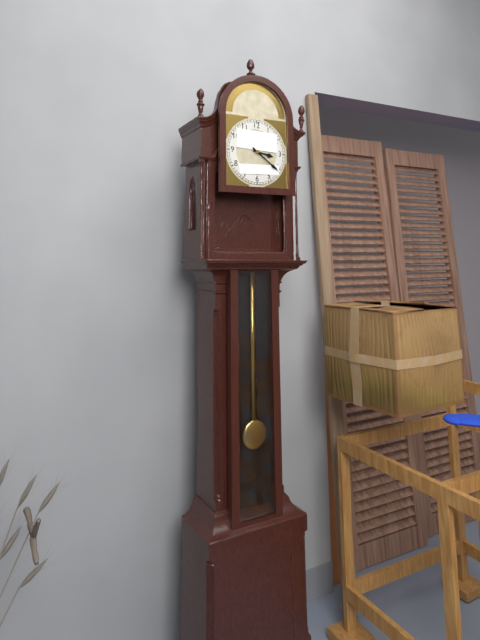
**3:21**
